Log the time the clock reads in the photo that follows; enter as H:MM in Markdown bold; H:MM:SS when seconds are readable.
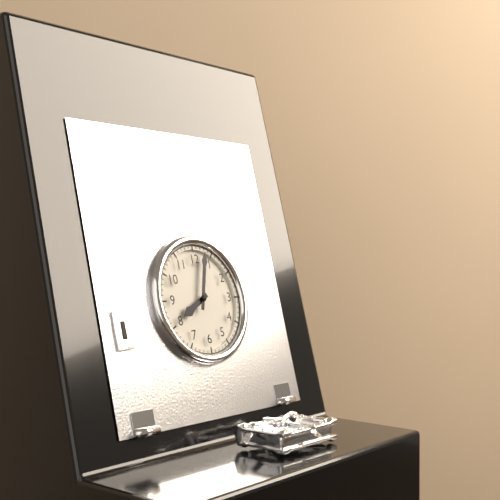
**8:03**
